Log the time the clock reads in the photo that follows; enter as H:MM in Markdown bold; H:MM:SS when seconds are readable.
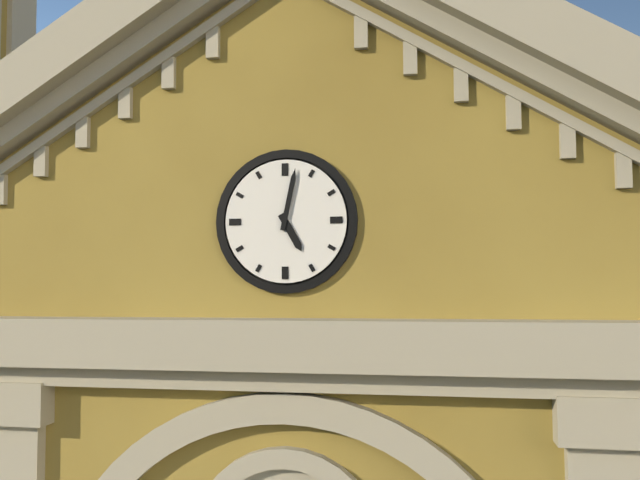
**5:02**
